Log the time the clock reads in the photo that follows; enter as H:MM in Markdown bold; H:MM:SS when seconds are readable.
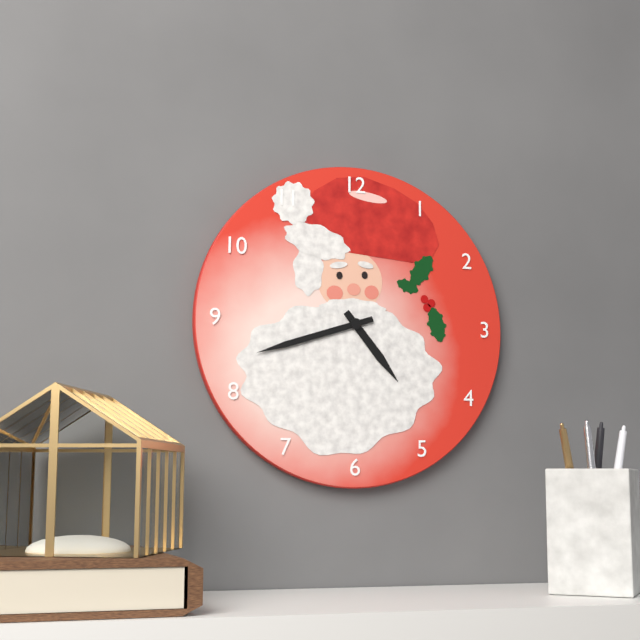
**4:42**
